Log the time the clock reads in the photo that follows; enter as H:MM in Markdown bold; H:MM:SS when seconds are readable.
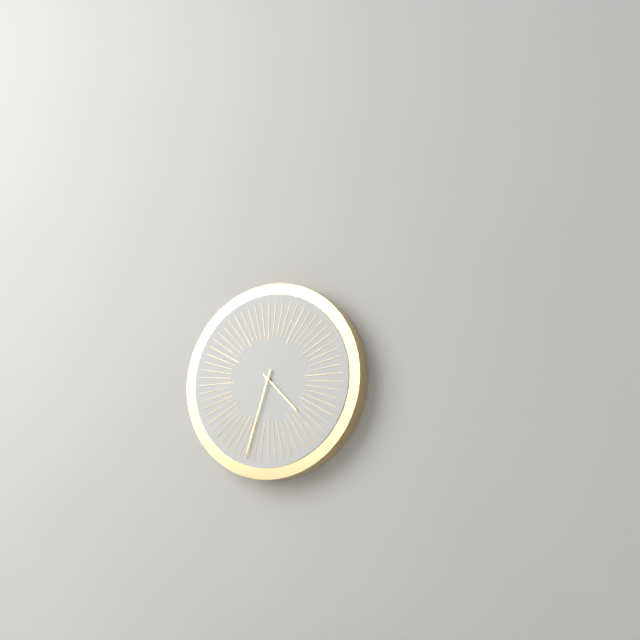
**4:33**
